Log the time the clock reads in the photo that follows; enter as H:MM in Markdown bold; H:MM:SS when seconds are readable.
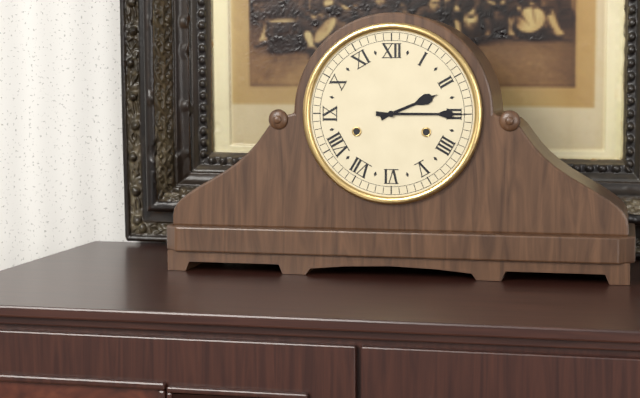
**2:15**
